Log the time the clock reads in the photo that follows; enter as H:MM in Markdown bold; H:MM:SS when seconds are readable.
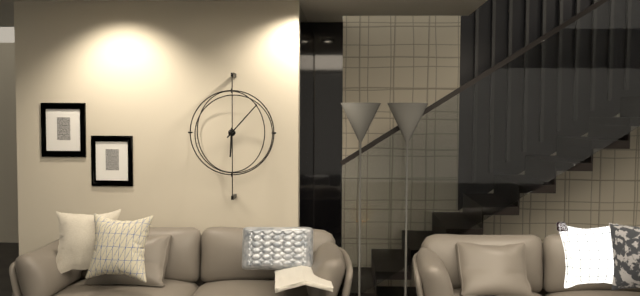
**6:07**
